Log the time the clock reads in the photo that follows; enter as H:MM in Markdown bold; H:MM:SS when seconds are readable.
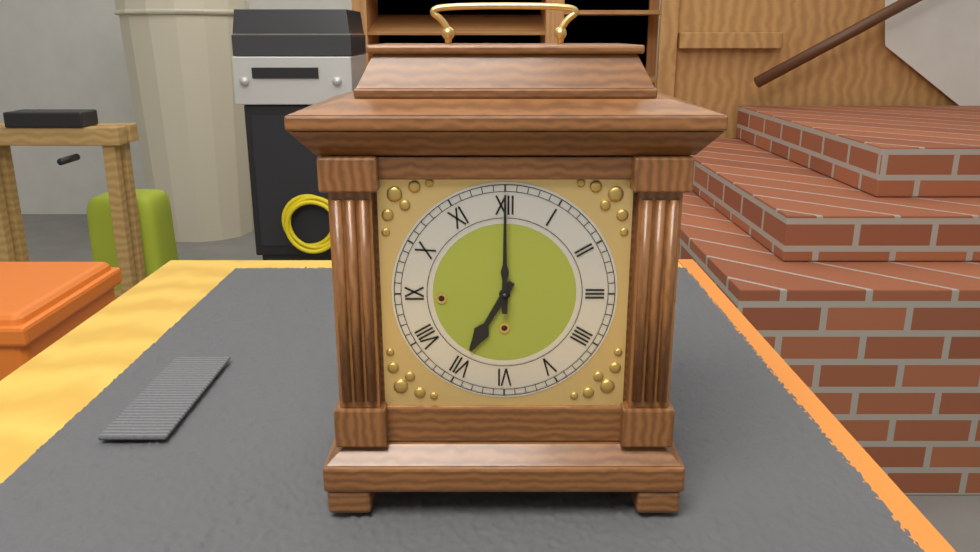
**7:00**
